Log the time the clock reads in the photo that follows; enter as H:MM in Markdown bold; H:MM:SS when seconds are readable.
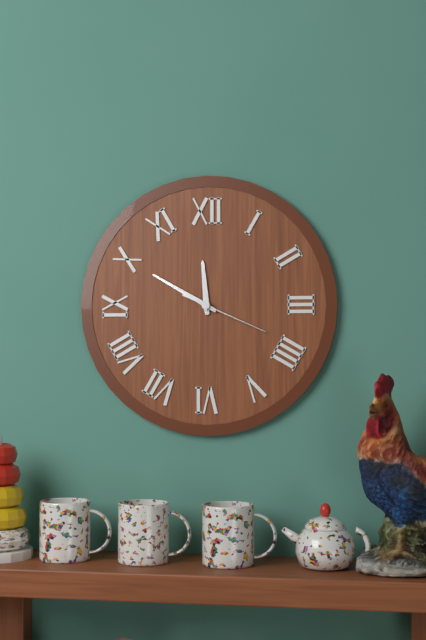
**11:50:19**
